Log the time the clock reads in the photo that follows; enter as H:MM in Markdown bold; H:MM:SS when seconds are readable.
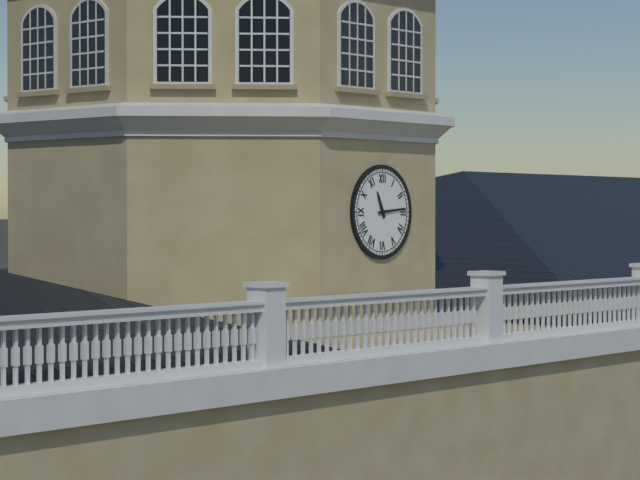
**11:14**
